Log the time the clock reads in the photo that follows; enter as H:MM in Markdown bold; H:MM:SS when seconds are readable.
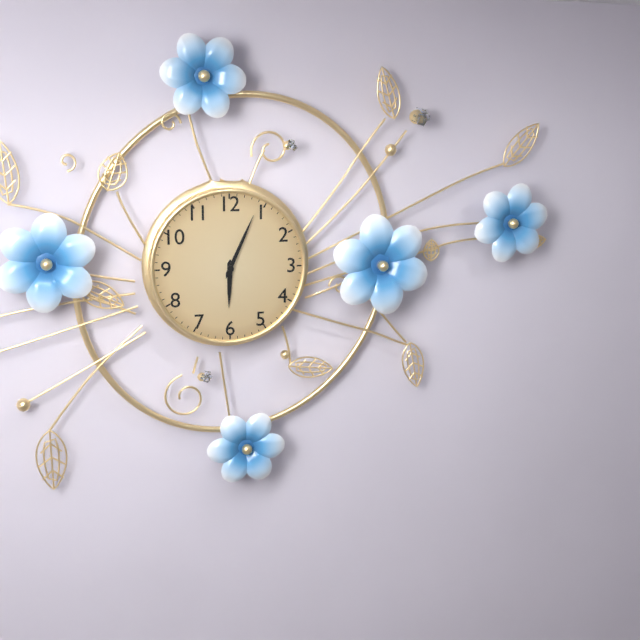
**6:04**
